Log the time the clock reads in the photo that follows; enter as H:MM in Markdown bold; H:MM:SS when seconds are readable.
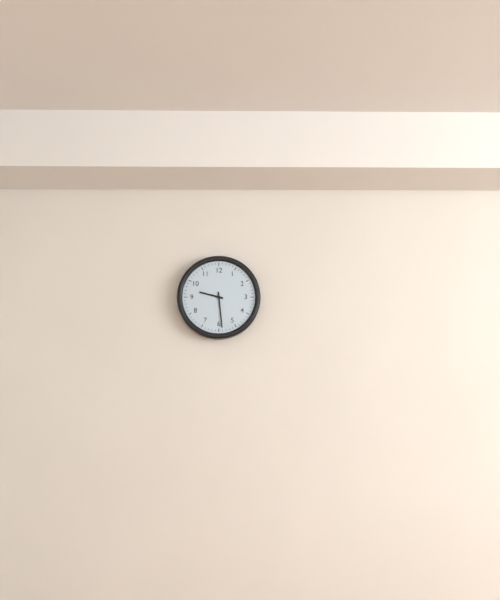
**9:29**
